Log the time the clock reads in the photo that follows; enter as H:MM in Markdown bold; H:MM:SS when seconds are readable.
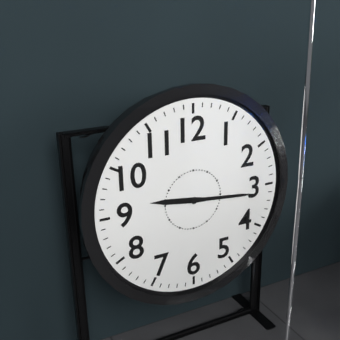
**9:16**
